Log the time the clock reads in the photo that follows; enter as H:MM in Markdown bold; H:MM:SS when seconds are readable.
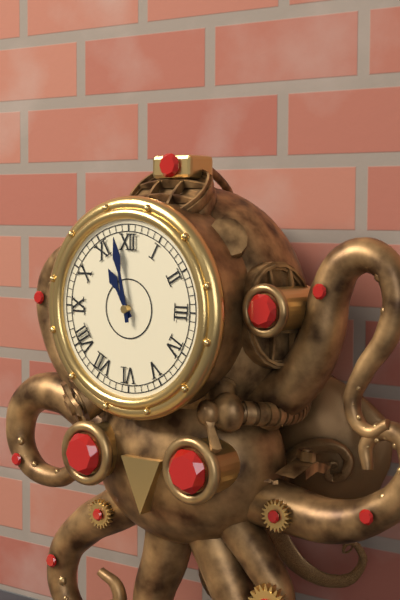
**10:58**
